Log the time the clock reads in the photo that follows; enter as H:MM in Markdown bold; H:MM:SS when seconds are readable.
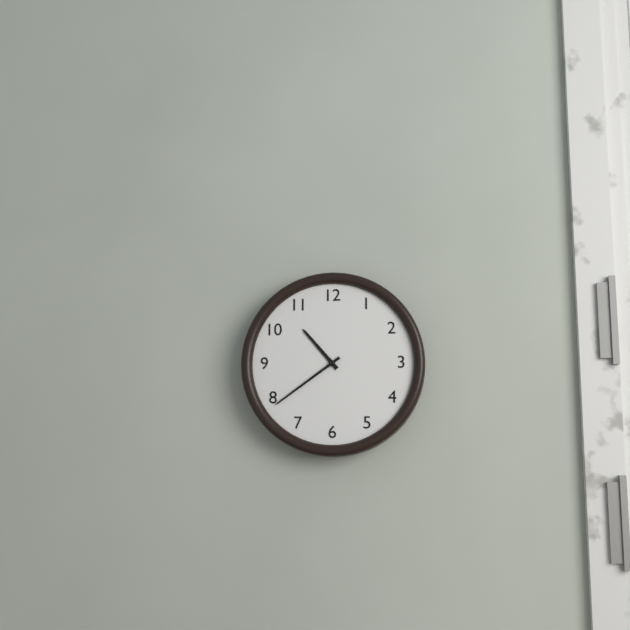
**10:39**
